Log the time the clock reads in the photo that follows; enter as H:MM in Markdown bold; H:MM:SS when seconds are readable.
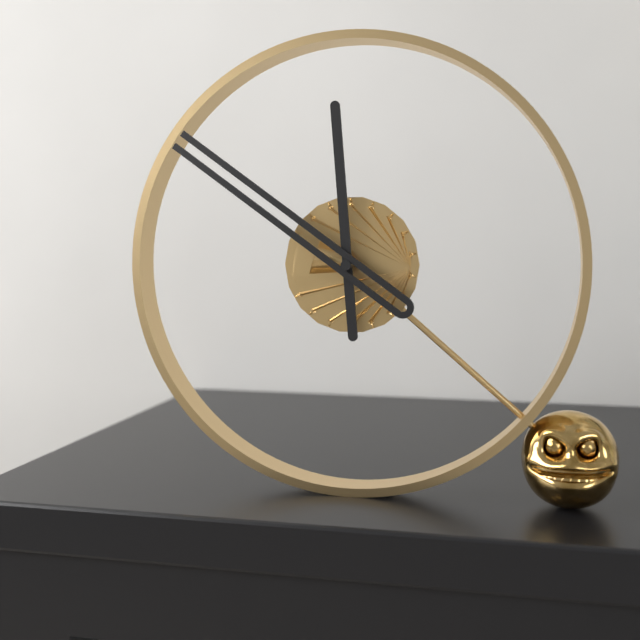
**11:51**
